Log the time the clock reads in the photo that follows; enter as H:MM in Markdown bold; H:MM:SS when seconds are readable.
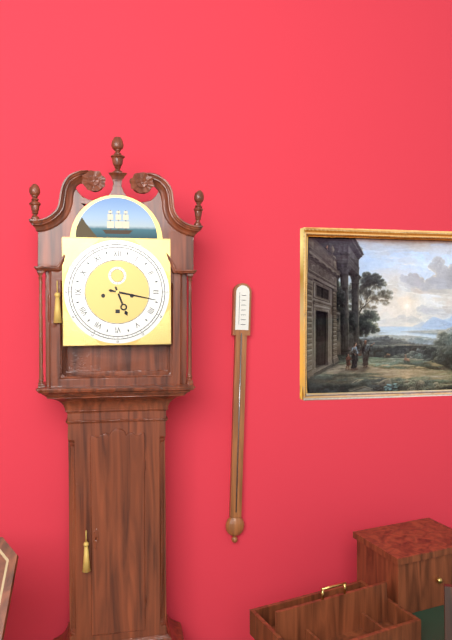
**5:17**
